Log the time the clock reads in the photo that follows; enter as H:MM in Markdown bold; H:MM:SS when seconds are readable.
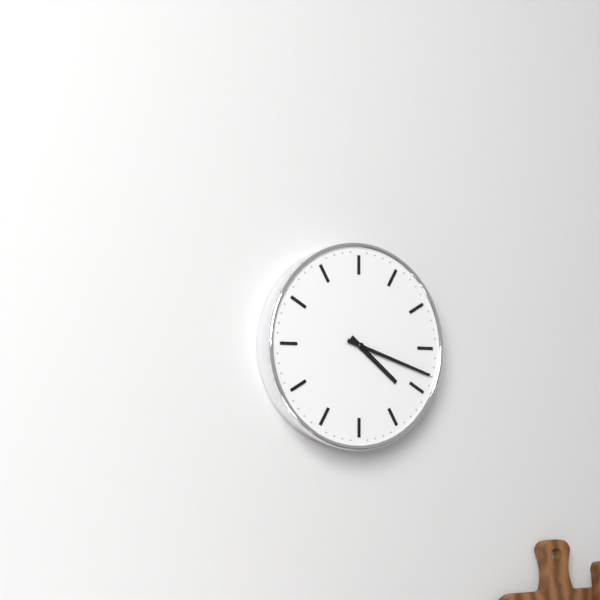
**4:18**
